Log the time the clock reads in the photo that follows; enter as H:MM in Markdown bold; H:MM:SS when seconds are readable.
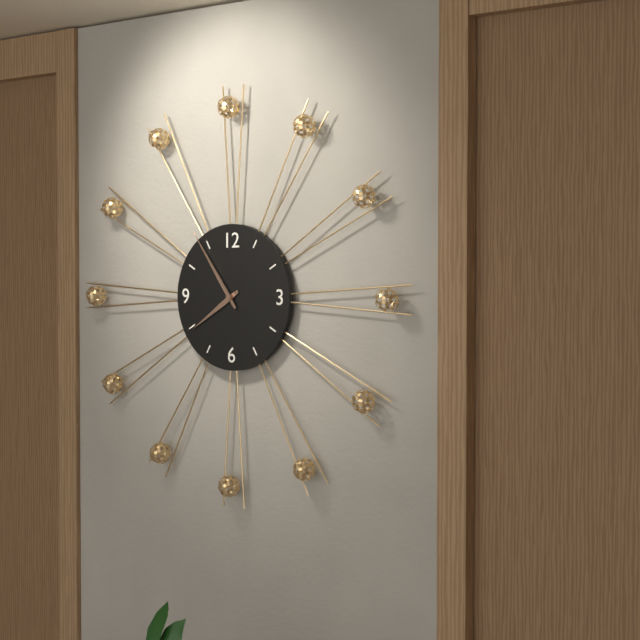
**7:54**
